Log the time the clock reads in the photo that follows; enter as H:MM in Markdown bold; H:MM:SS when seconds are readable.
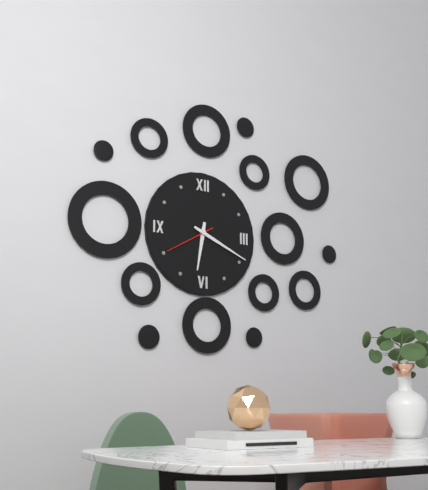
**6:19:40**
